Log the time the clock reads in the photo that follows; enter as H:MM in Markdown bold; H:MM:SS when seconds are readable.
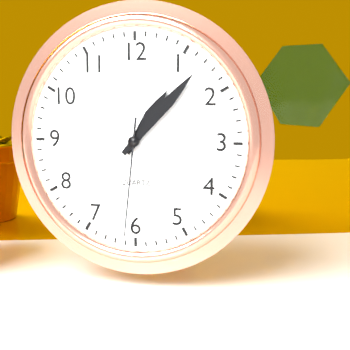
**1:07:31**
